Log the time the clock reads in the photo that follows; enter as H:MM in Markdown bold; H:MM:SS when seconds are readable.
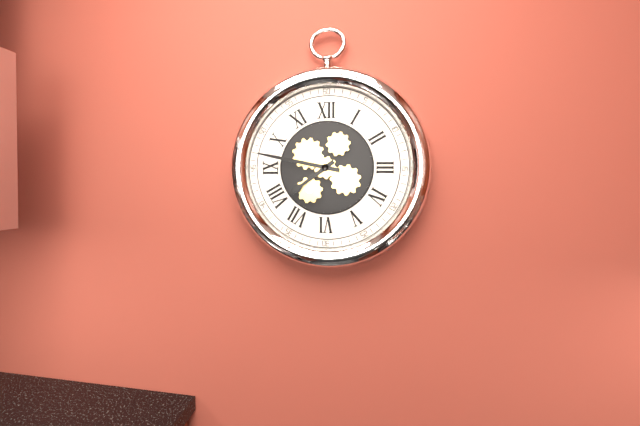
**7:47**
